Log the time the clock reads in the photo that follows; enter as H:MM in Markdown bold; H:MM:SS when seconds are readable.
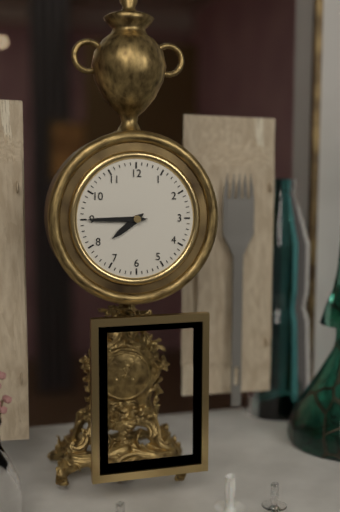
**7:45**
